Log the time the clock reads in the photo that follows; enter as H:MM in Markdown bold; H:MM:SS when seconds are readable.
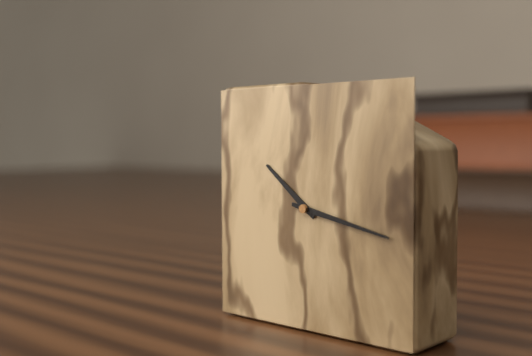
**10:17**
